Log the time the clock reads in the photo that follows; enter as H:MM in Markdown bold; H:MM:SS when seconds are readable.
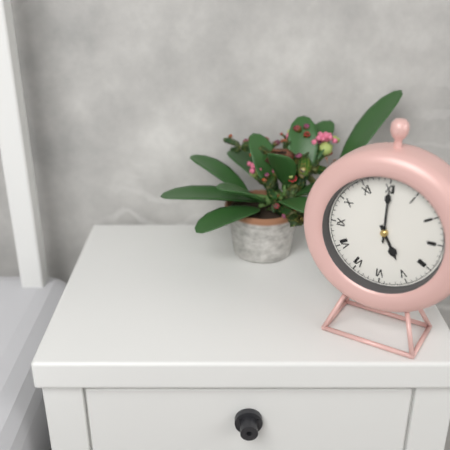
**5:00**
